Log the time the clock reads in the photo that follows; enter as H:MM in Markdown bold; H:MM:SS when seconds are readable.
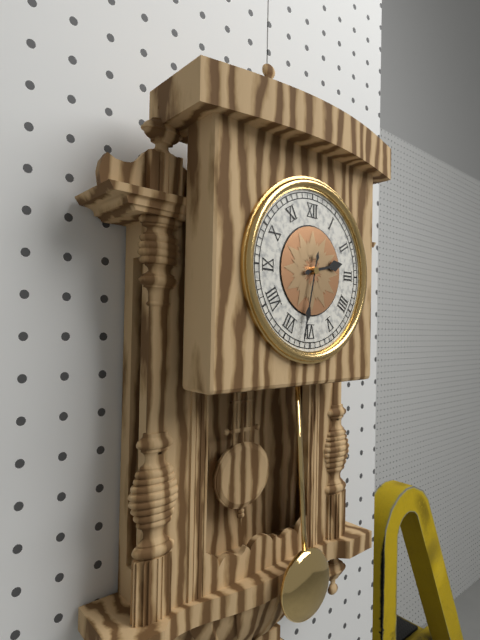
**2:32**
